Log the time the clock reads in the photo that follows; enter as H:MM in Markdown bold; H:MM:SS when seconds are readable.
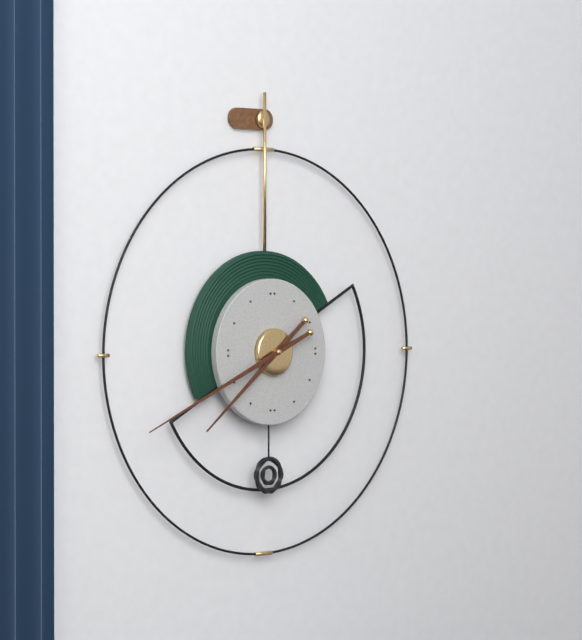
**7:41**
